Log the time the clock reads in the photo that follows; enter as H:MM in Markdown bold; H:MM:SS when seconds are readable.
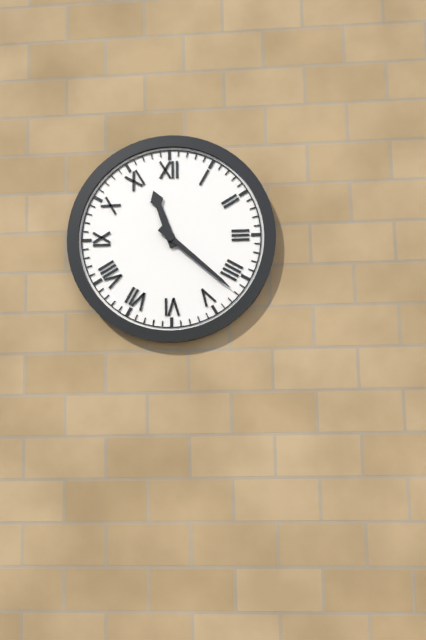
**11:22**
